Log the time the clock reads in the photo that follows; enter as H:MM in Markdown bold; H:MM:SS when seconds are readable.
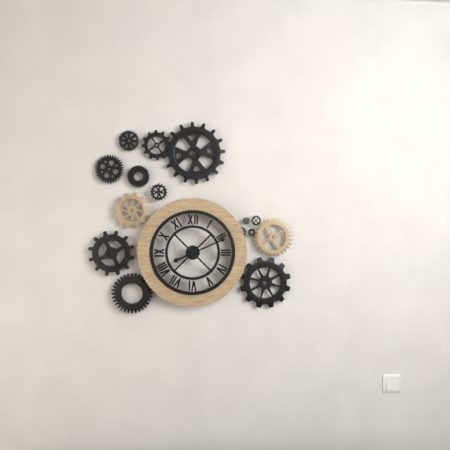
**8:11**
